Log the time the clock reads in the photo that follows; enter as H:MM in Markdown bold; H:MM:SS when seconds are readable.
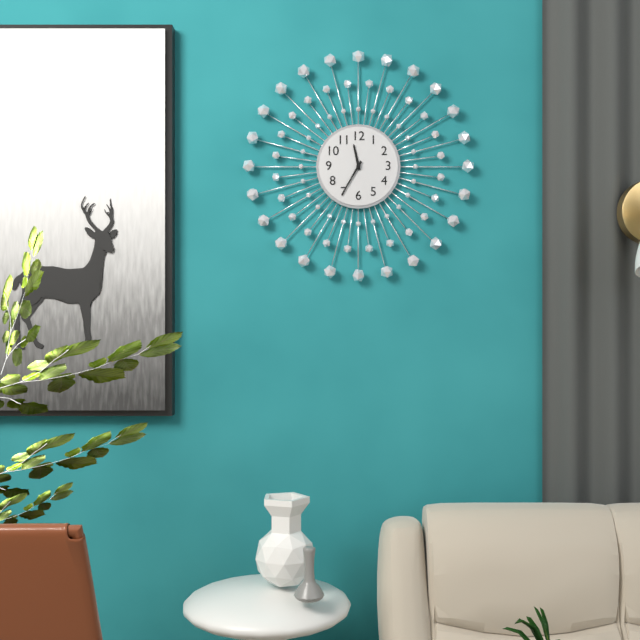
**11:35**
